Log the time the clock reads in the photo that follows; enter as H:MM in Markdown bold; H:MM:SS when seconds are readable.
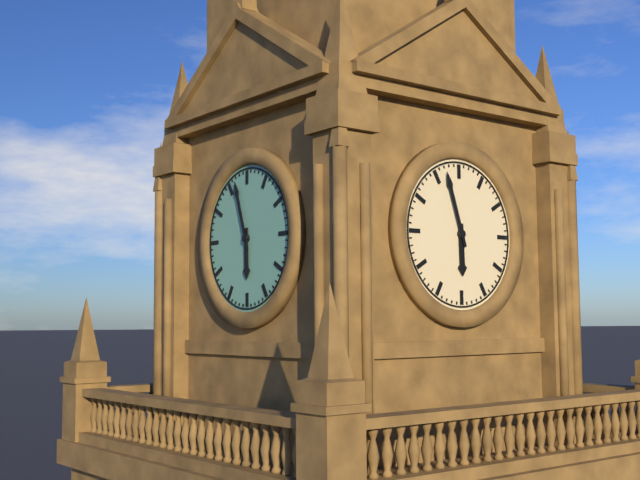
**5:57**
